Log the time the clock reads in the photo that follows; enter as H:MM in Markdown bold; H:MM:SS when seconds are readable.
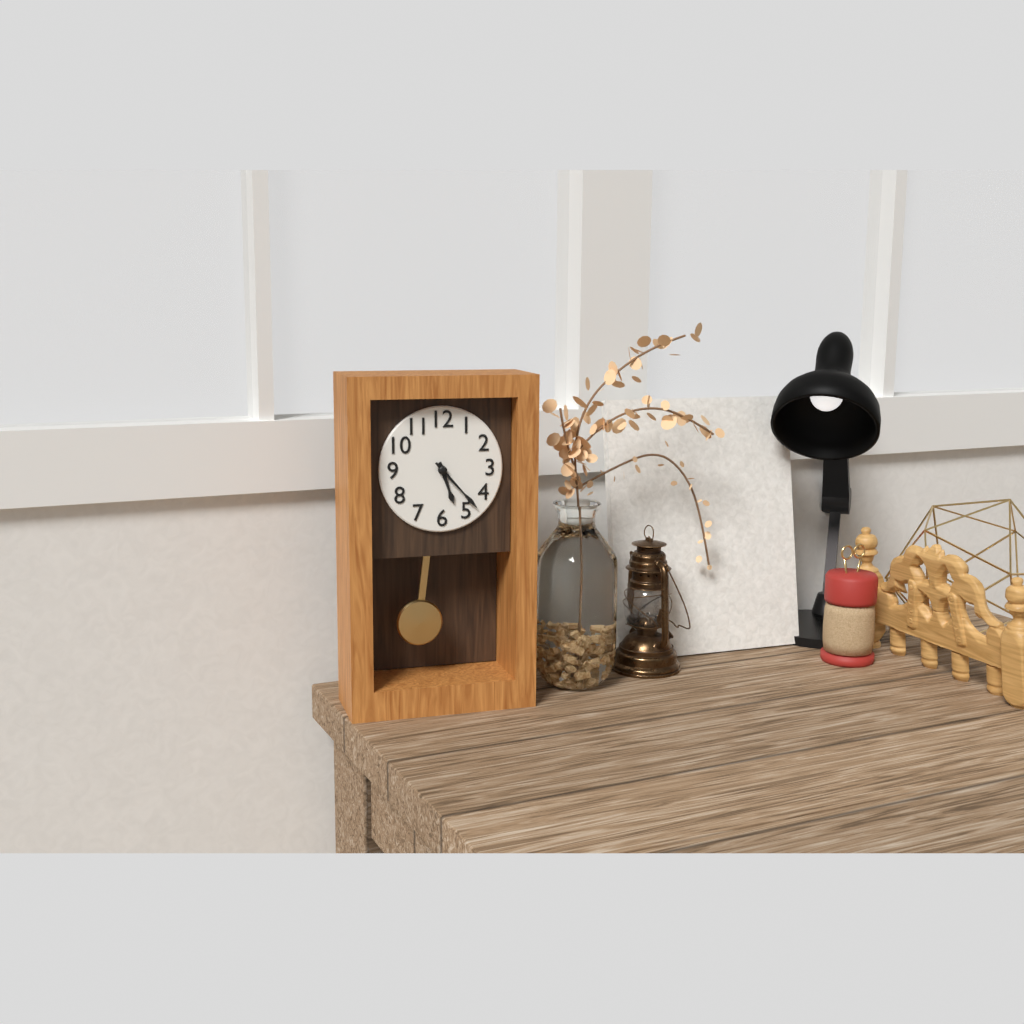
**5:23**
